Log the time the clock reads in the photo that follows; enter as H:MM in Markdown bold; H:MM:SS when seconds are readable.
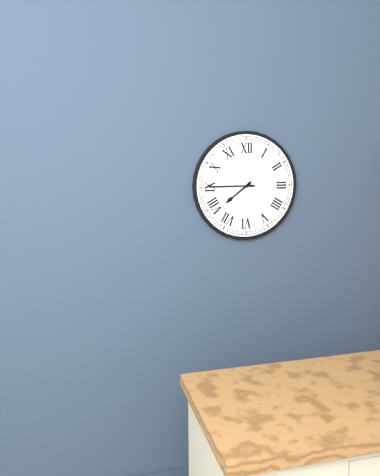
**7:45**
